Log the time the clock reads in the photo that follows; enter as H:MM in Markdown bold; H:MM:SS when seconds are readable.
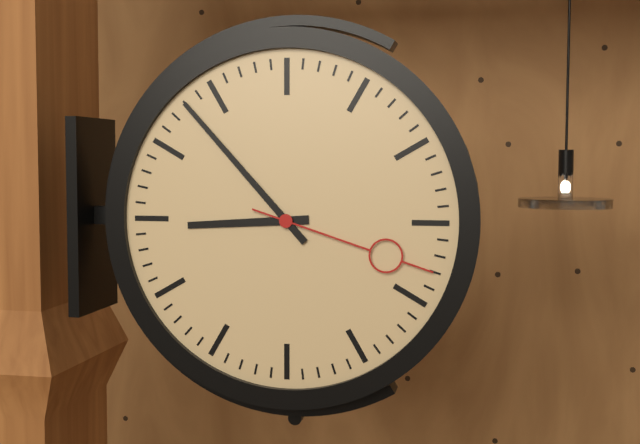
**8:53:18**
